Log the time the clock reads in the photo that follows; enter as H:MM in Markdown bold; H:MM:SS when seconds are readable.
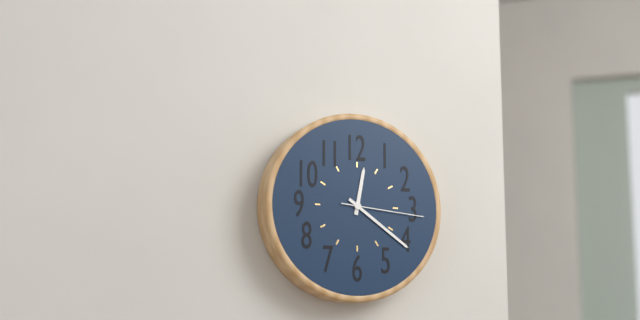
**12:21:16**
